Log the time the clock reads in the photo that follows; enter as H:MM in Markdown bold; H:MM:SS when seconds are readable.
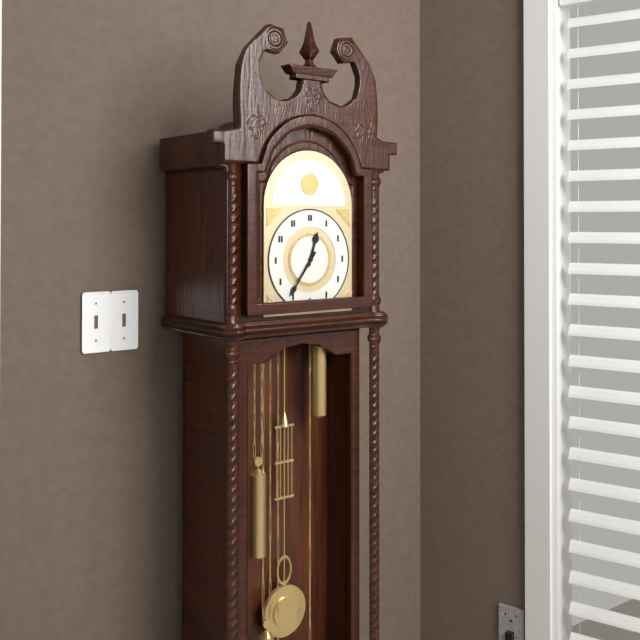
**12:36**
